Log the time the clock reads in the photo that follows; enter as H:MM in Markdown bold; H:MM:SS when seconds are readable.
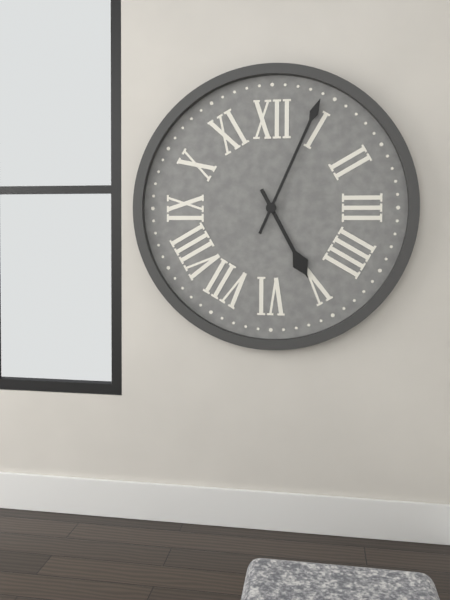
**5:04**
